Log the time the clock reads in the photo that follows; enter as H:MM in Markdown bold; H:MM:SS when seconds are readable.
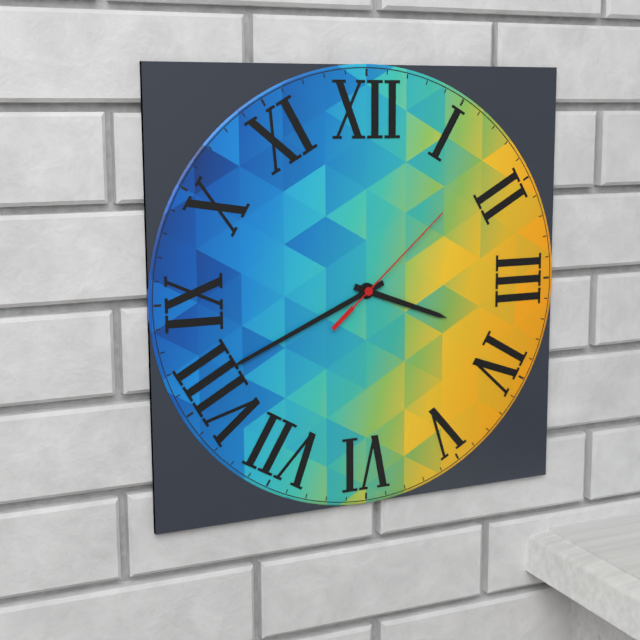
**3:41:08**
